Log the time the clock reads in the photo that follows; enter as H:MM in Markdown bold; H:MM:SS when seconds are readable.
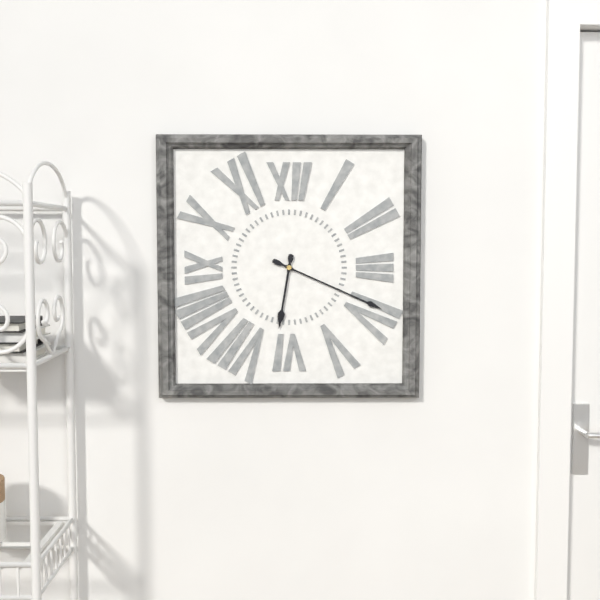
**6:19**
